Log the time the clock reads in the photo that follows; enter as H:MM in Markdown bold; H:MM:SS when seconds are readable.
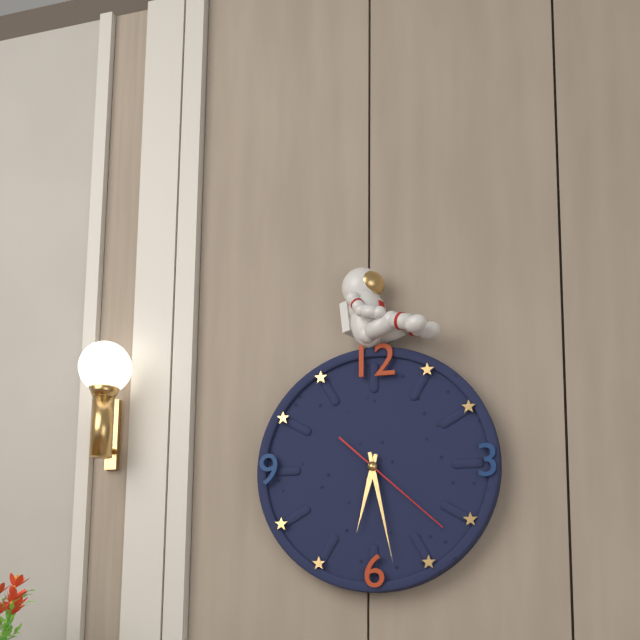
**6:28:22**
